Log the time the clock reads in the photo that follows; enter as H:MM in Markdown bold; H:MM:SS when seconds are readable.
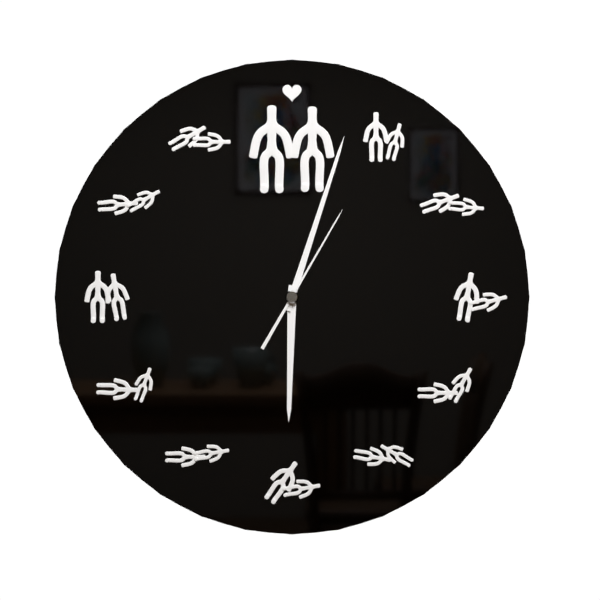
**6:03:05**
